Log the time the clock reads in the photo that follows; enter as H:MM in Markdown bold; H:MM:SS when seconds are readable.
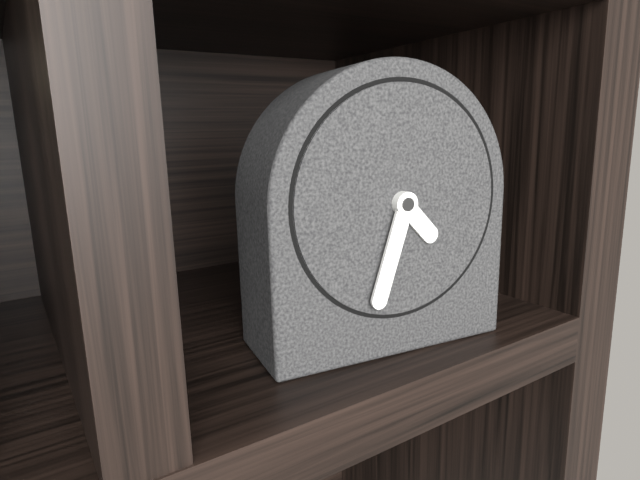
**4:33**
